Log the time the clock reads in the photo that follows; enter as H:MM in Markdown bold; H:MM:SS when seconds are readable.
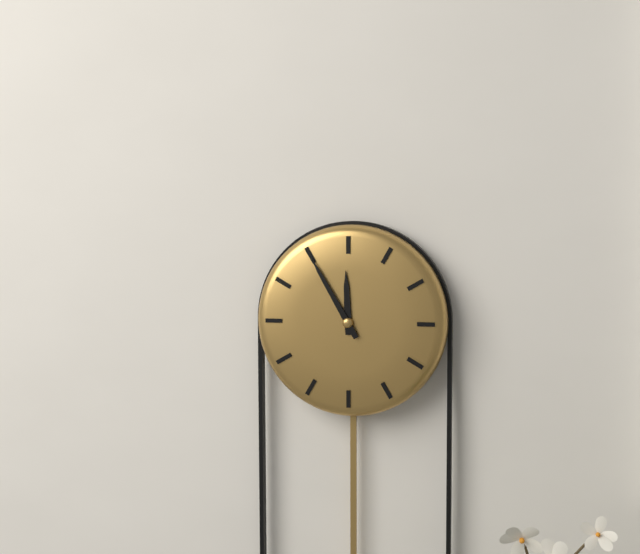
**11:55**
